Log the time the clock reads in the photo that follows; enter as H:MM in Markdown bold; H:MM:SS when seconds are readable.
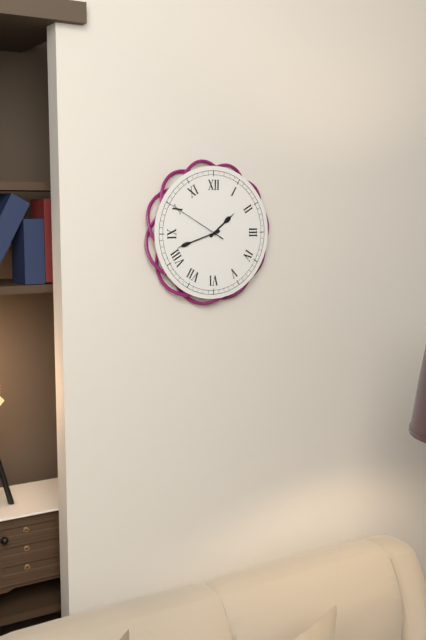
**1:42:50**
